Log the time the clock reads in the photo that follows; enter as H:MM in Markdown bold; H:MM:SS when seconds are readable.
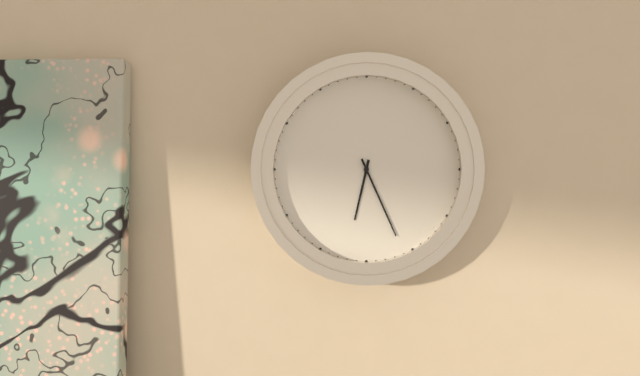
**6:26**
